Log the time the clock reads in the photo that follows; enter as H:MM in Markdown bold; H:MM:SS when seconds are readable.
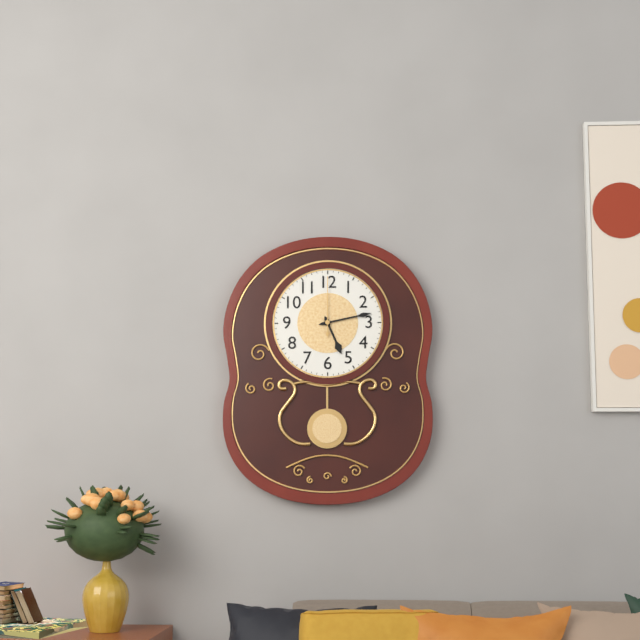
**5:13:00**
